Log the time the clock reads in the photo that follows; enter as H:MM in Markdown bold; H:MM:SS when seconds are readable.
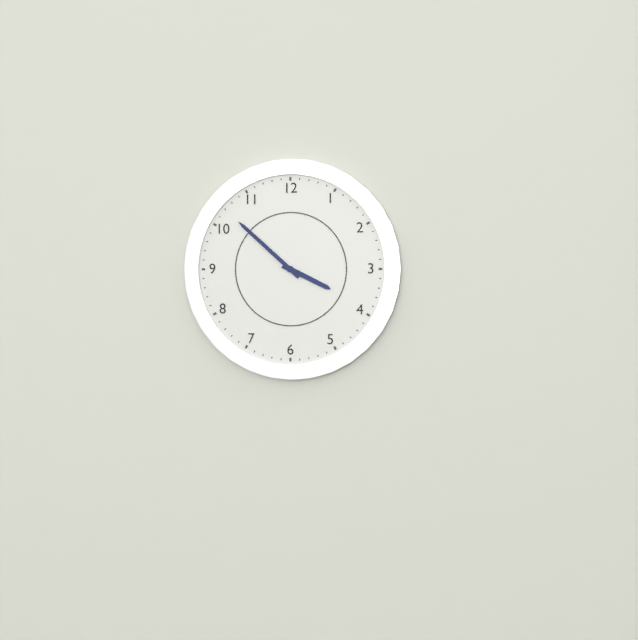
**3:52**
